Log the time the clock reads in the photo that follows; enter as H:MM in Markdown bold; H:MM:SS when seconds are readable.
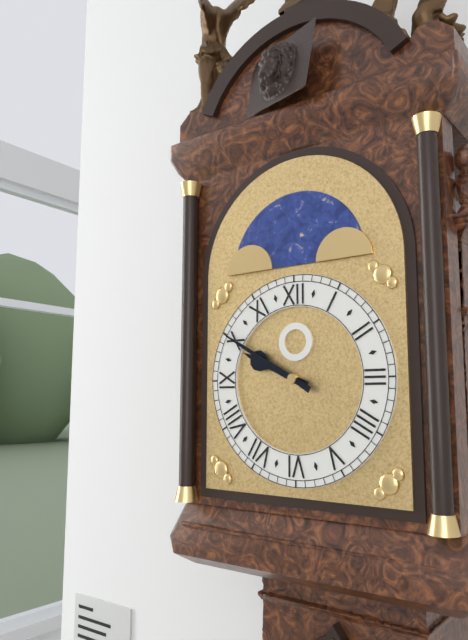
**9:50**
